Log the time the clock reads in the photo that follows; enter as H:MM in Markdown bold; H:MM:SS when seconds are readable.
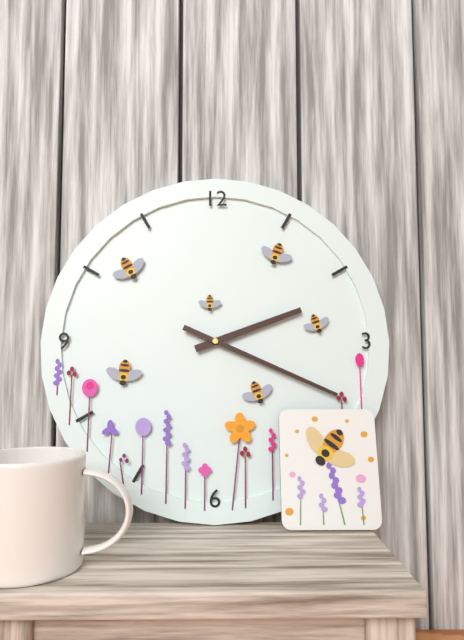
**2:19**
